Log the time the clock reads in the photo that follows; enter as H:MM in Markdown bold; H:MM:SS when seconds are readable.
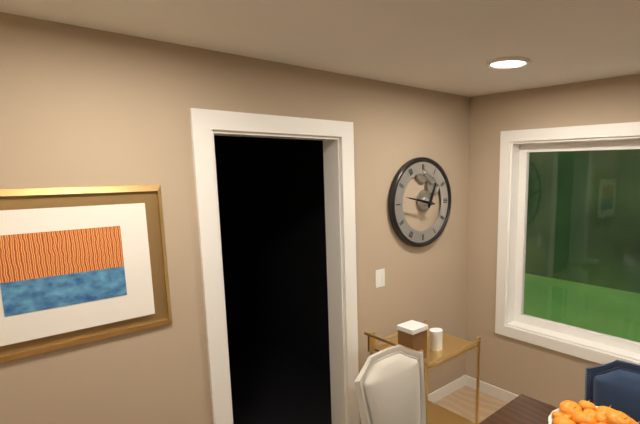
**12:47**
